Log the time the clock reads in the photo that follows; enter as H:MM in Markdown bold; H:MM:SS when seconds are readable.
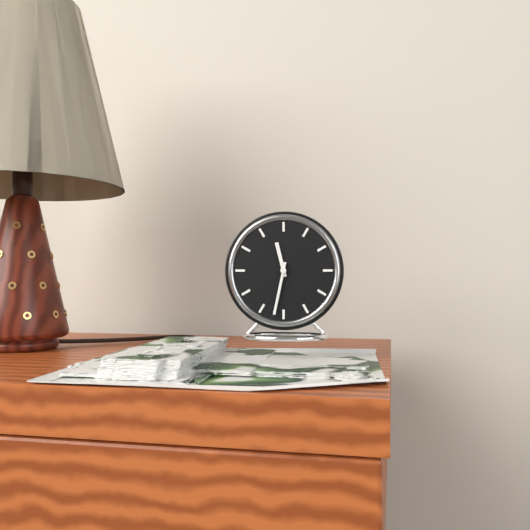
**11:32**
